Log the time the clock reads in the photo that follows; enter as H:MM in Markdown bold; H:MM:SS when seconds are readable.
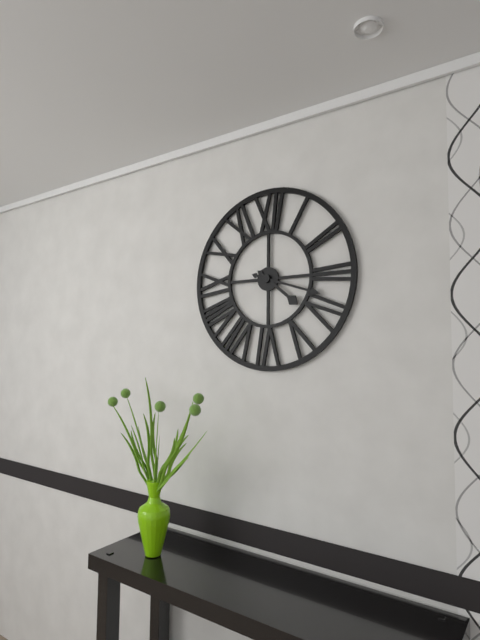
**4:18**
